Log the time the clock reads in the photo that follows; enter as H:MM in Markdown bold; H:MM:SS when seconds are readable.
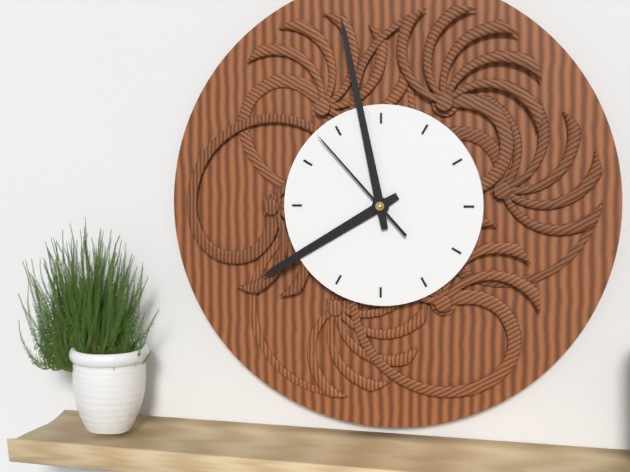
**7:58:53**
